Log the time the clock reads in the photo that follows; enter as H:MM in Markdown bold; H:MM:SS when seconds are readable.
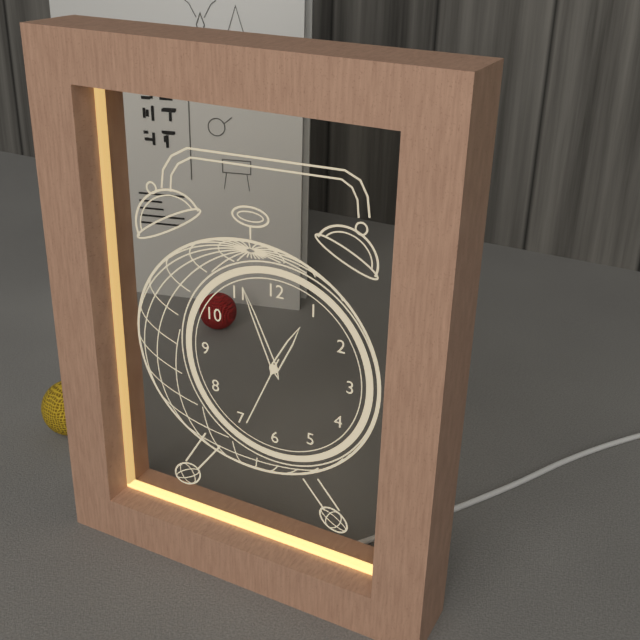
**12:56:34**
